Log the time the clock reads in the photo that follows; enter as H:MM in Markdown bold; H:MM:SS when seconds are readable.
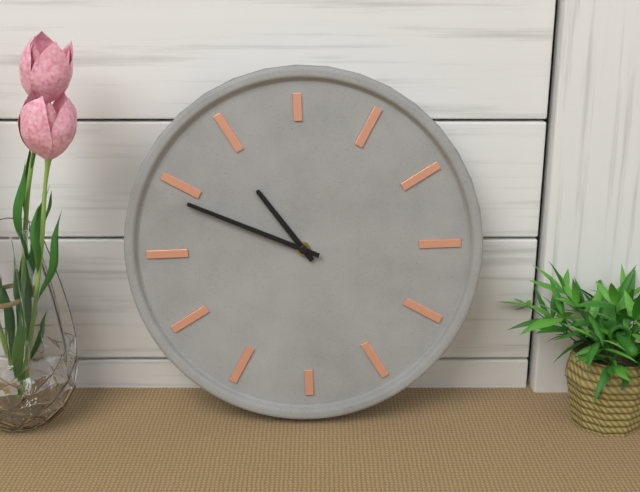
**10:49**
